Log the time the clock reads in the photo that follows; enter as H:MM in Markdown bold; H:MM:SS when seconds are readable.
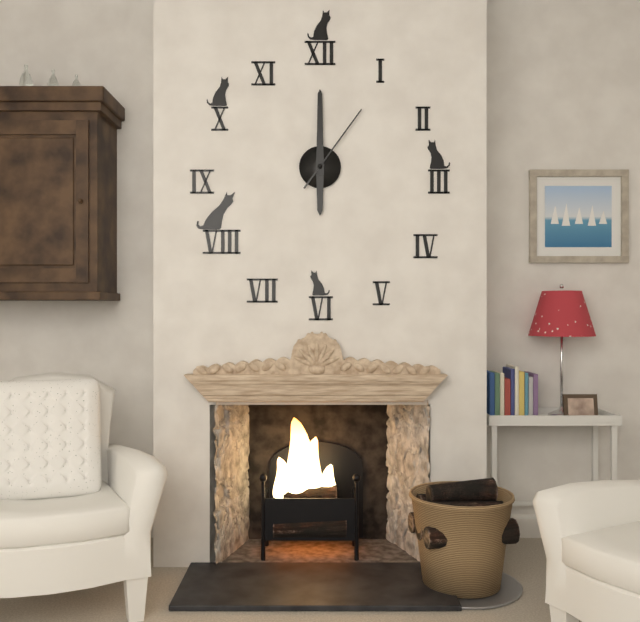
**6:00:06**
